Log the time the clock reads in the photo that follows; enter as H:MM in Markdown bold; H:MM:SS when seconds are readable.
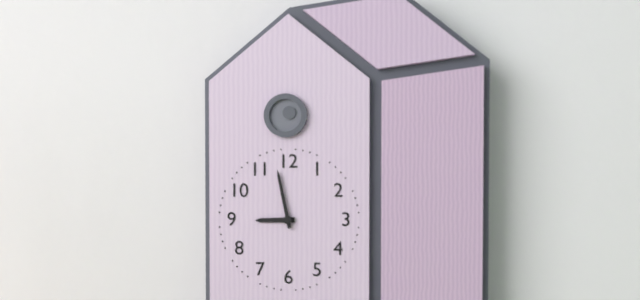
**8:58**
